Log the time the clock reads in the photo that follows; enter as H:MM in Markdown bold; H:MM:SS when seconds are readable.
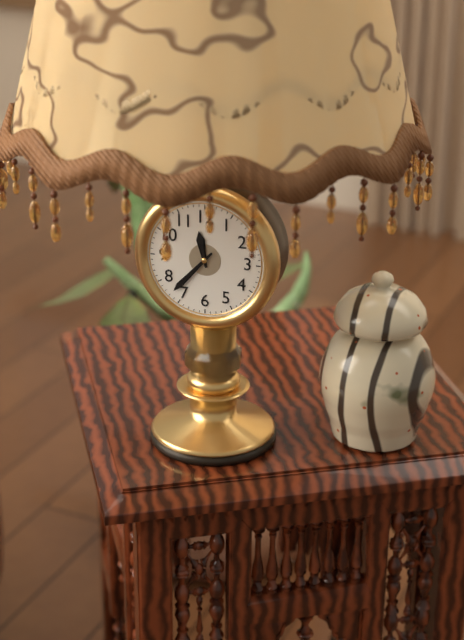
**11:37**
